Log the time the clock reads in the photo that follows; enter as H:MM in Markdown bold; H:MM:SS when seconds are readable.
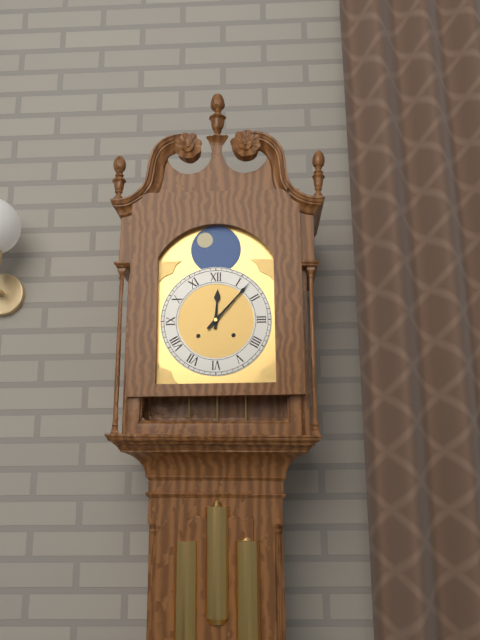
**12:07**
